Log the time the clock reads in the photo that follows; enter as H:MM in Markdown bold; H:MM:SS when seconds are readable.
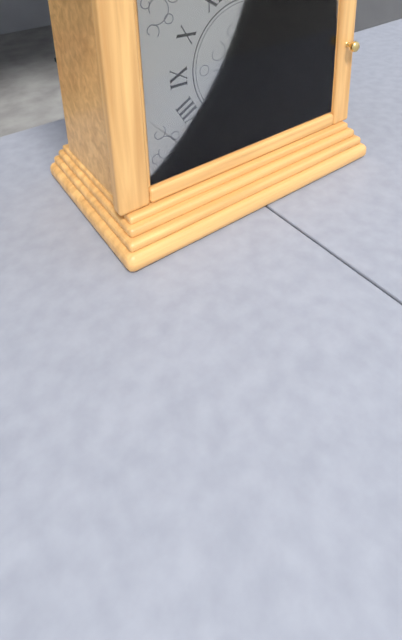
**1:16:37**
